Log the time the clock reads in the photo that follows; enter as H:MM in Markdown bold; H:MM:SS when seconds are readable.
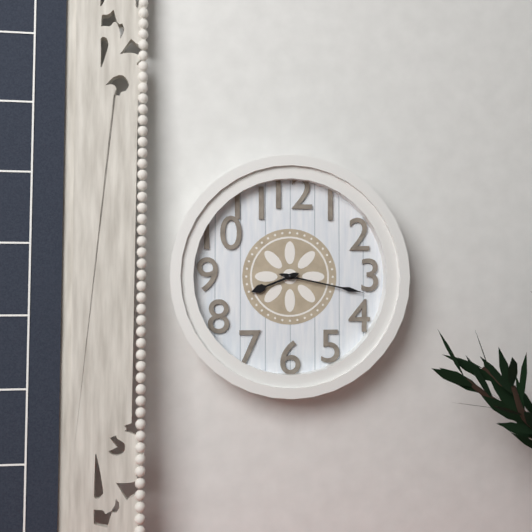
**8:17**
